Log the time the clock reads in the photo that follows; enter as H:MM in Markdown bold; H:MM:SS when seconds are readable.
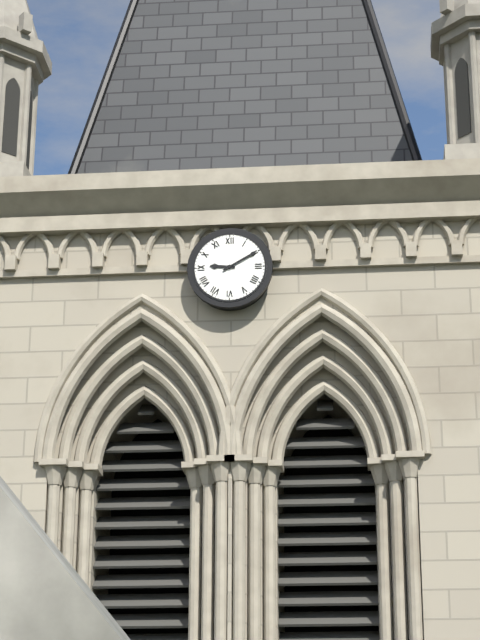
**9:10**
